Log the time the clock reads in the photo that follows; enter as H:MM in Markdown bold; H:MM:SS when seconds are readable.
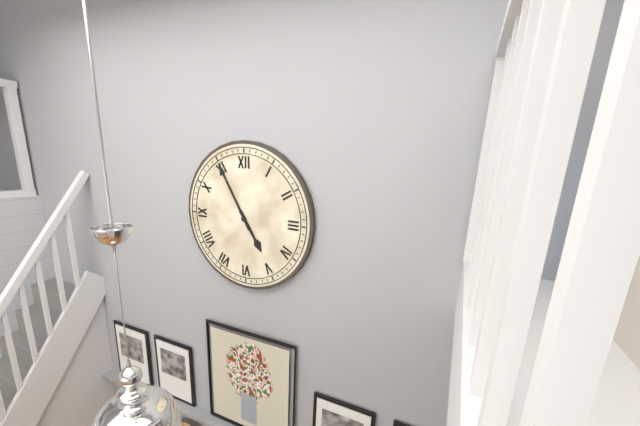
**4:55**
